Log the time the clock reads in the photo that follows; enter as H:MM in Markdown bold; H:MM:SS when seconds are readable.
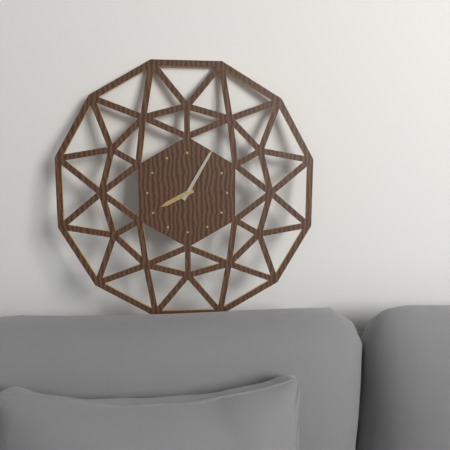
**8:05**
